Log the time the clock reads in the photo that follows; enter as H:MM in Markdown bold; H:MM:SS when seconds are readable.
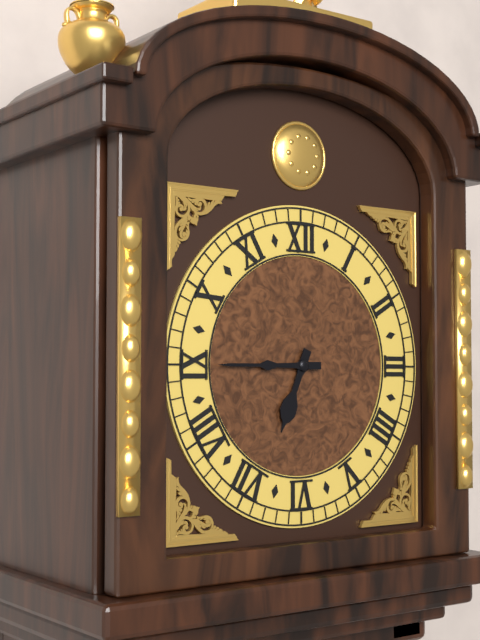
**6:45**
